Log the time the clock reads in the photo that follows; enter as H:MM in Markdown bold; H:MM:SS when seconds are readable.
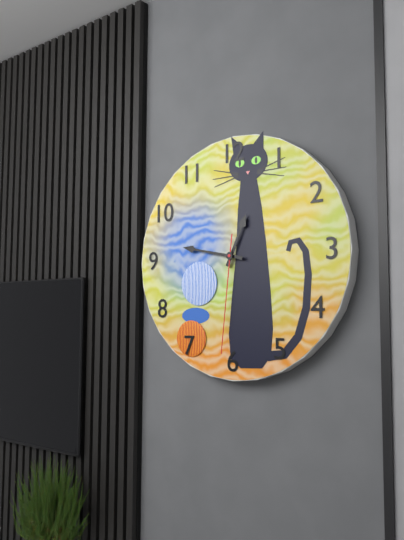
**12:47:31**
